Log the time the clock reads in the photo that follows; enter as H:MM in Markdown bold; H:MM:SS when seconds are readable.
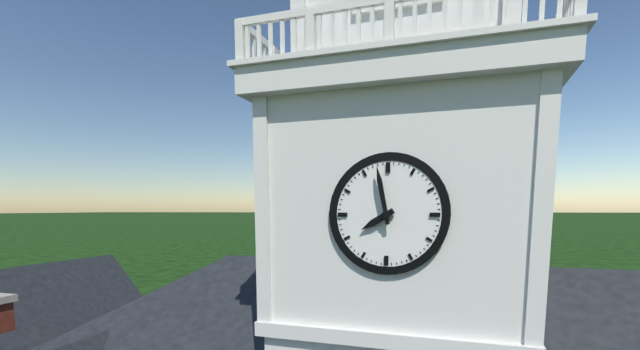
**7:58**
